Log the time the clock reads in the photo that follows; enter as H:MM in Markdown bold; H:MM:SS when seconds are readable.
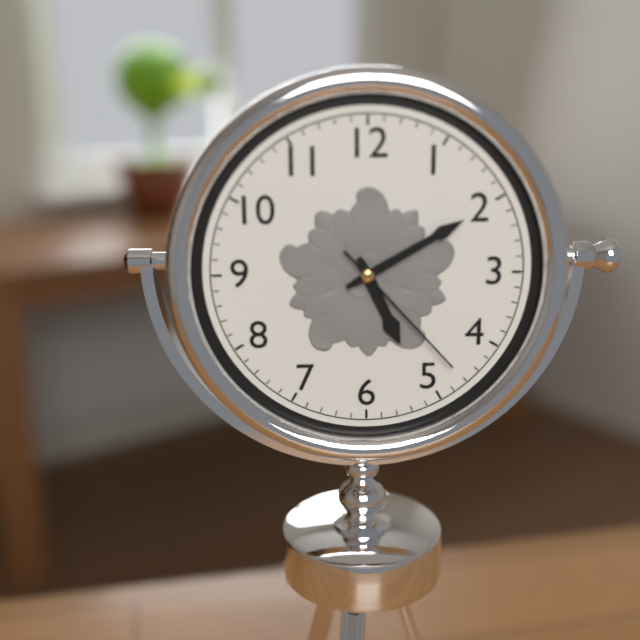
**5:10:23**
